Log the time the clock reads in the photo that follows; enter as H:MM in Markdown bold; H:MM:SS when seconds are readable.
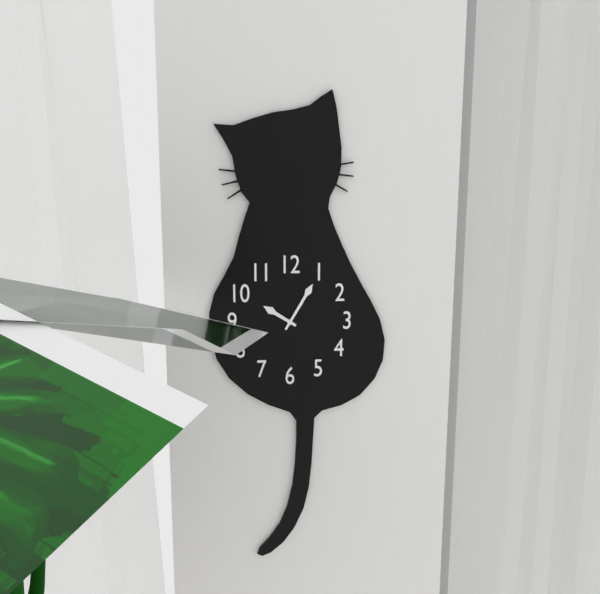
**10:05**
